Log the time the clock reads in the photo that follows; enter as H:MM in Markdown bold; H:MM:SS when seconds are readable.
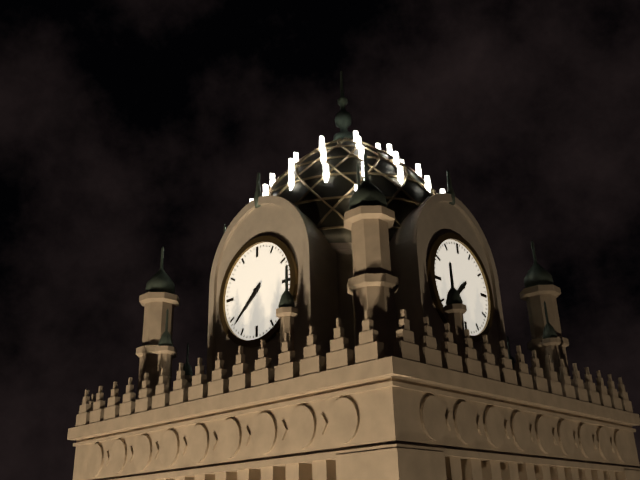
**7:38**
